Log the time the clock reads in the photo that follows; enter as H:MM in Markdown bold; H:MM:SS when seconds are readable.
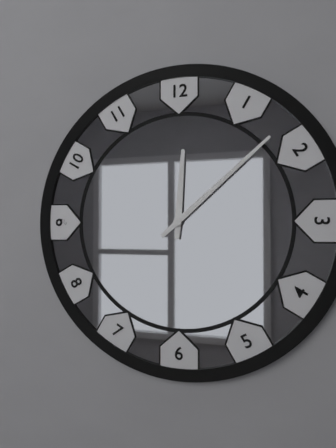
**12:08**
